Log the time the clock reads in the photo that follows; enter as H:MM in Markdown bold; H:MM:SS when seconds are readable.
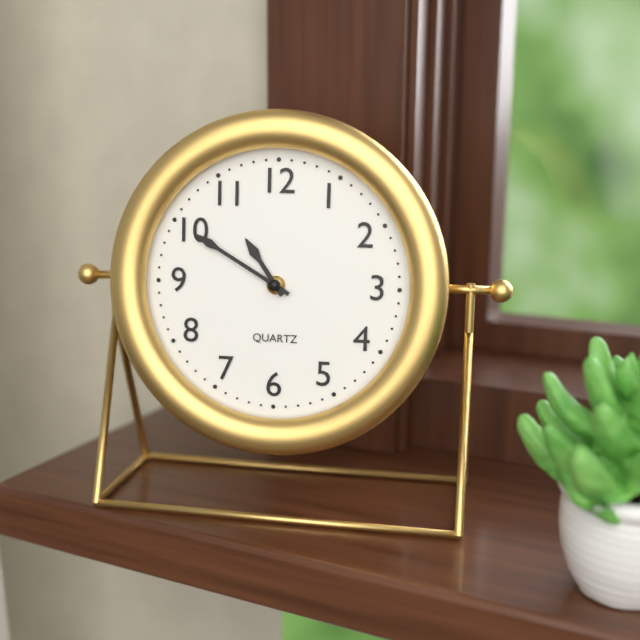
**10:50**
